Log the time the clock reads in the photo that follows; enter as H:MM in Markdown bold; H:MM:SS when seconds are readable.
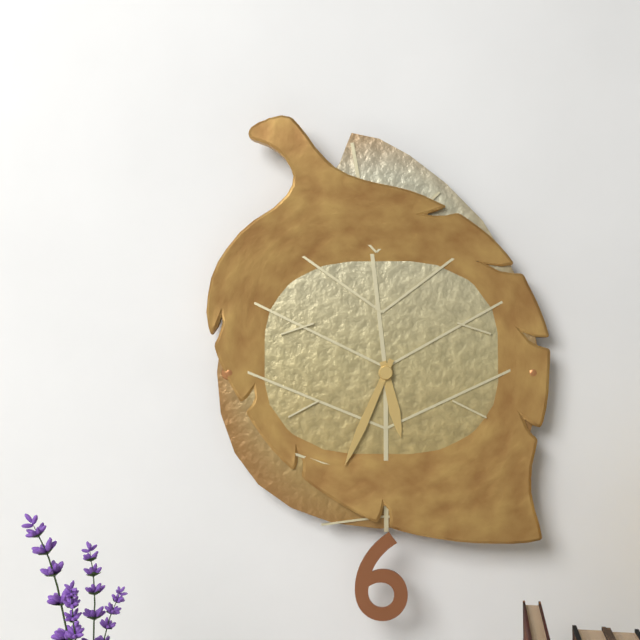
**5:34**
